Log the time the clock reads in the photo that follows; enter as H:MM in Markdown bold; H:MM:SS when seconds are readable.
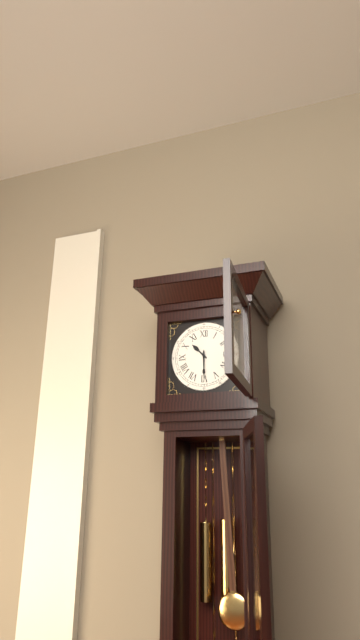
**10:30**
